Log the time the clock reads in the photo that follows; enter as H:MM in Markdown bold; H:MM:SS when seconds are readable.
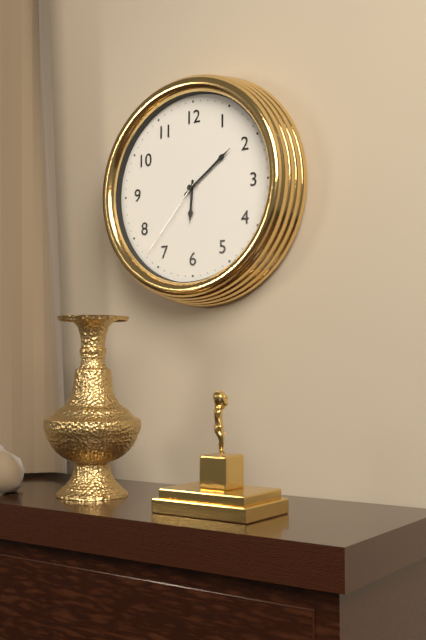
**6:09:37**
